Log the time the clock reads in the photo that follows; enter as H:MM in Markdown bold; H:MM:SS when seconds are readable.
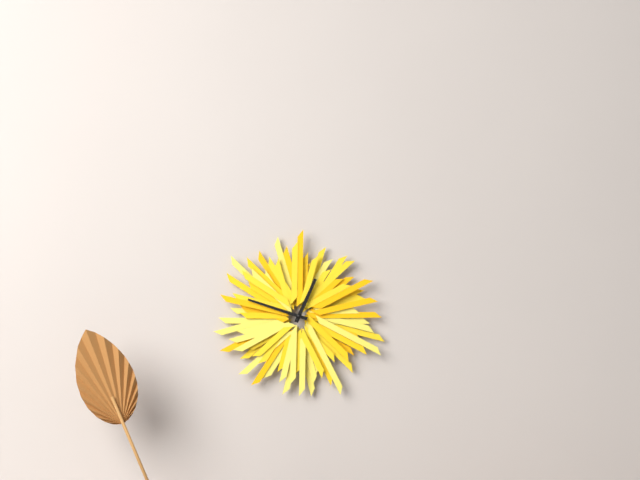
**12:48**
